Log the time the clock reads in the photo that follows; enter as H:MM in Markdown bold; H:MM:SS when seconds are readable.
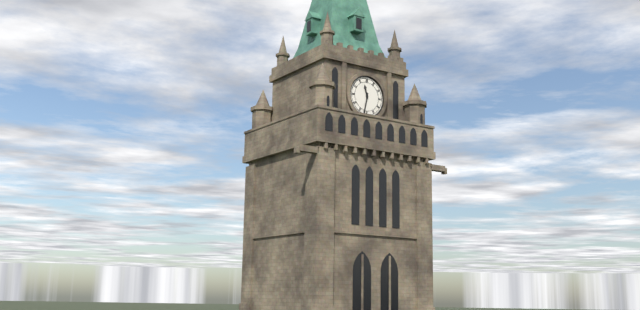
**11:32**
